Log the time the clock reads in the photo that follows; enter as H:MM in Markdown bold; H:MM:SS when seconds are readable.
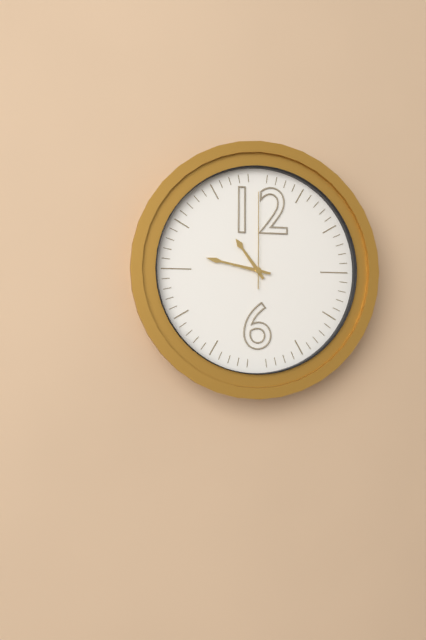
**10:47:00**
